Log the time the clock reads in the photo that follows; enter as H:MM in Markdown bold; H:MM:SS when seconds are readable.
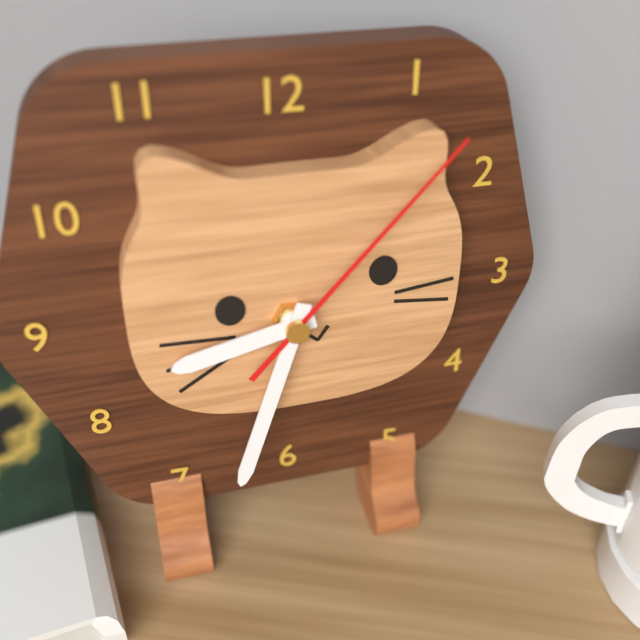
**8:33:07**
